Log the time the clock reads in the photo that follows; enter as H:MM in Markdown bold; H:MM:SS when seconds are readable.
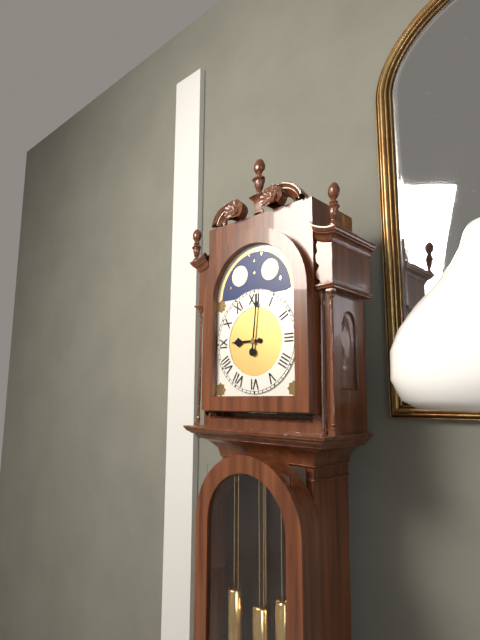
**9:01**
